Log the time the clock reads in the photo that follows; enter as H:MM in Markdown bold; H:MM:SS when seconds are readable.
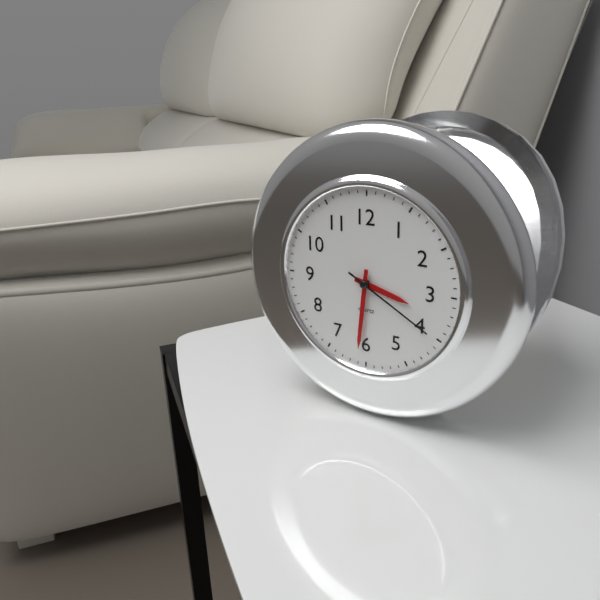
**3:31:20**
